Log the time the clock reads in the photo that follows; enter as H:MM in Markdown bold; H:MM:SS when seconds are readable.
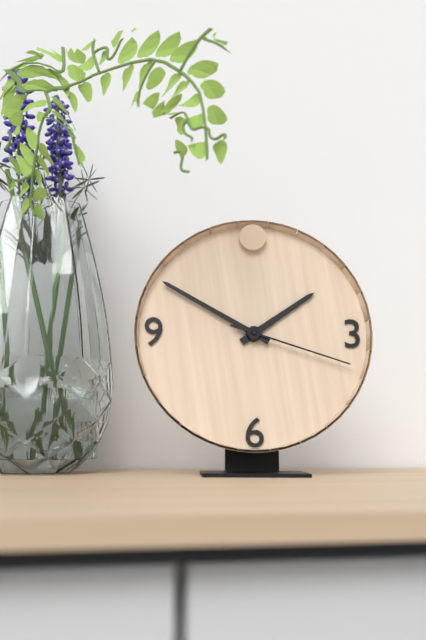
**1:50:18**
